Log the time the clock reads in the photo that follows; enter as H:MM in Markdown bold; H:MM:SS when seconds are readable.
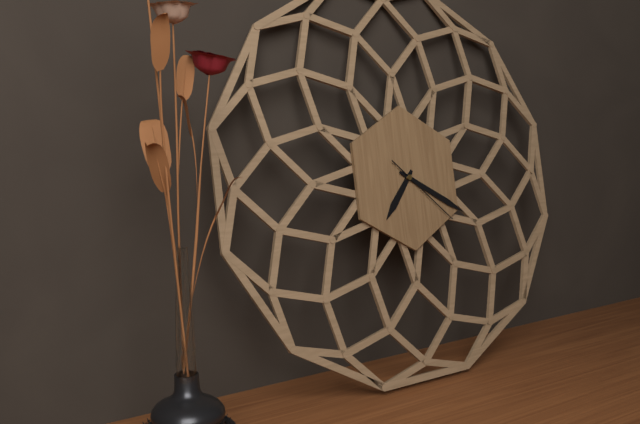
**7:20:22**
